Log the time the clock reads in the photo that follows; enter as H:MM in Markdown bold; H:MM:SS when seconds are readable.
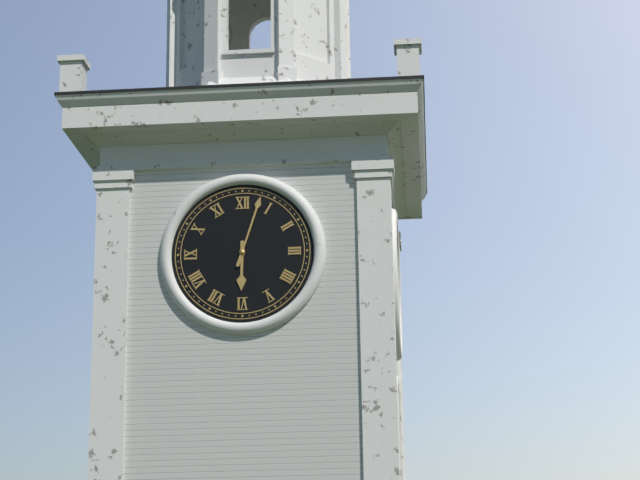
**6:03**
